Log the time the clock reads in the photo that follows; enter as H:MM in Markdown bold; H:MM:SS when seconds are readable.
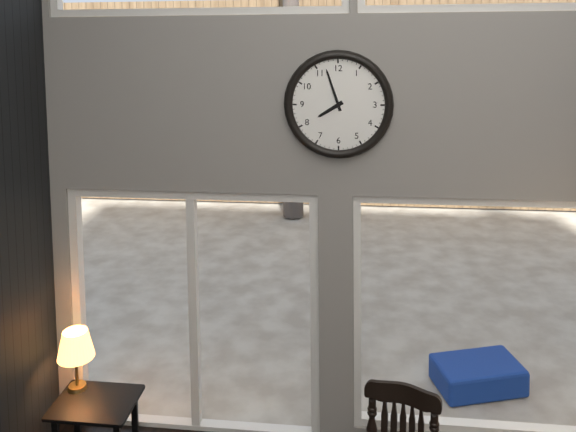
**7:57**
